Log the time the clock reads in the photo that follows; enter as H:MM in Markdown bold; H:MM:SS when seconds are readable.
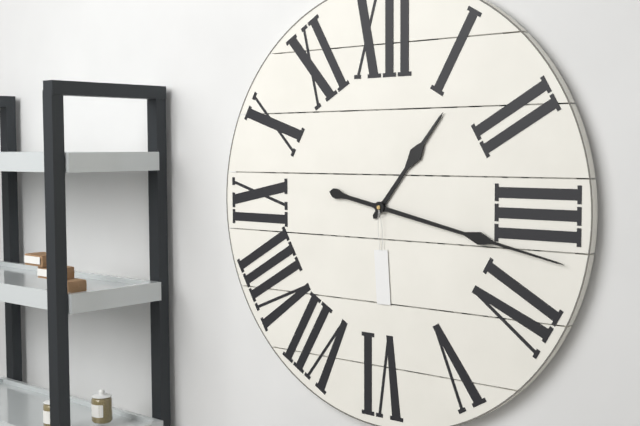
**1:17**
